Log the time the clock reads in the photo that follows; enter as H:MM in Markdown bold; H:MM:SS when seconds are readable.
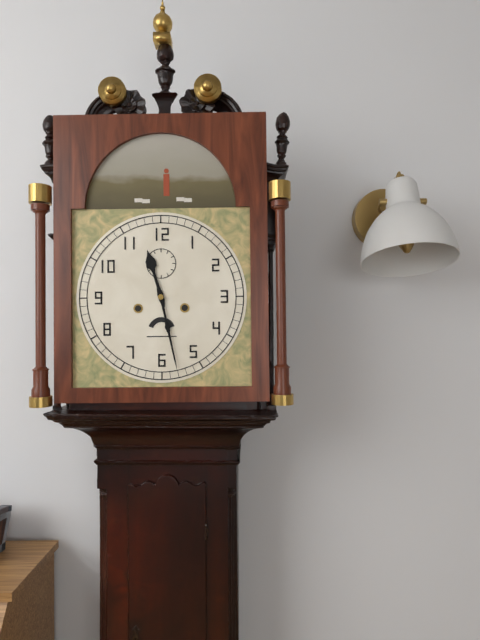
**11:28**
